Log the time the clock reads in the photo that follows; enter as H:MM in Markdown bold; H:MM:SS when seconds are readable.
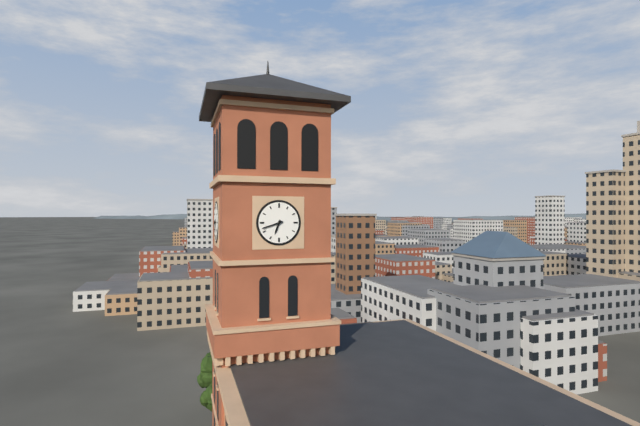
**6:42**
